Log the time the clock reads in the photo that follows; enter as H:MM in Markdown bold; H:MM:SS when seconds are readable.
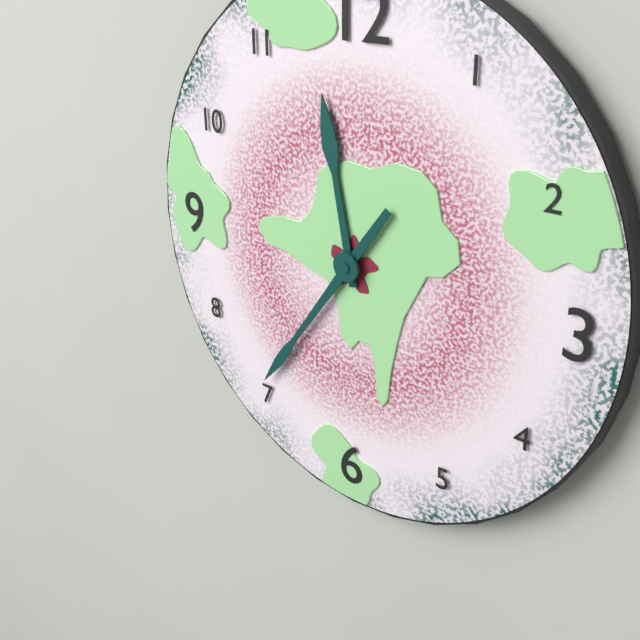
**11:36**
